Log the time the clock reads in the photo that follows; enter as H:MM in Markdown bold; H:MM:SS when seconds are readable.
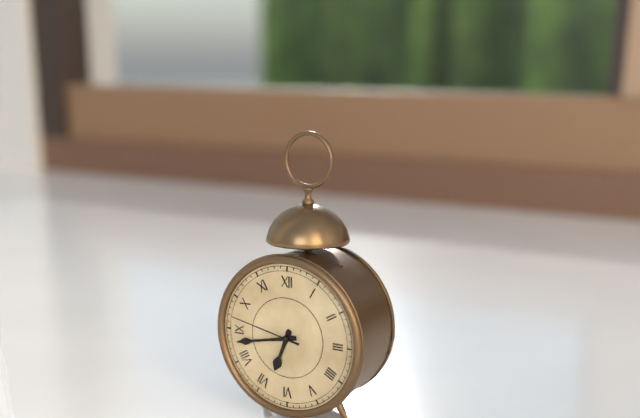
**6:43:47**
